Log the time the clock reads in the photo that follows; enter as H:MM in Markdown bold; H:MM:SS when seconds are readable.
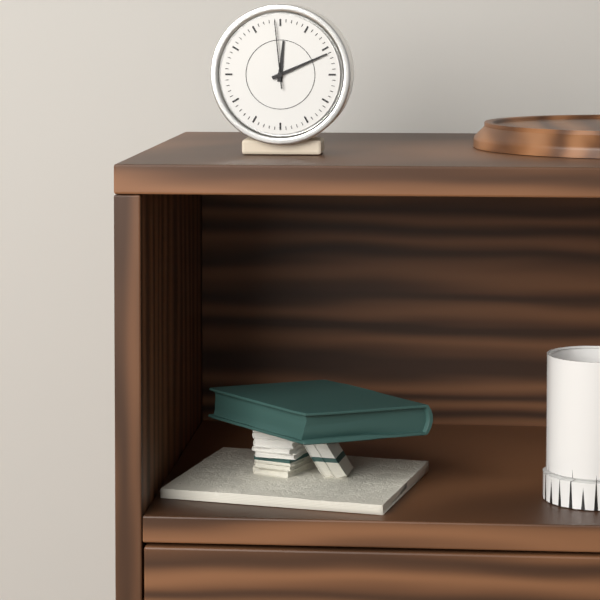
**12:11:59**
